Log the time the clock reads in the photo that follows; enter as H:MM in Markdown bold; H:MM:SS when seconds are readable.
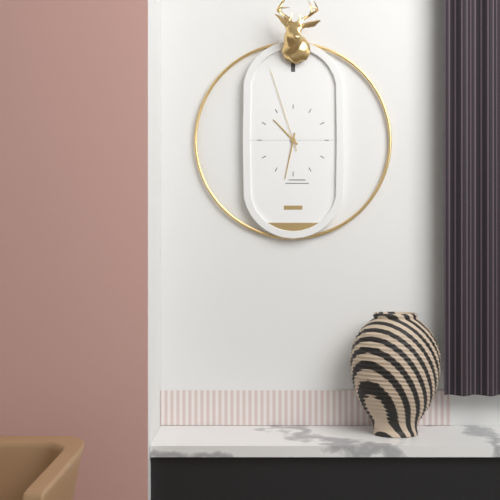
**10:32:57**
